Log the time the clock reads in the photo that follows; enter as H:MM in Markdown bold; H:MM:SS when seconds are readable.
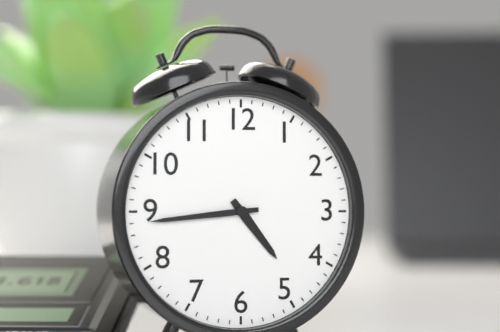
**4:44**
